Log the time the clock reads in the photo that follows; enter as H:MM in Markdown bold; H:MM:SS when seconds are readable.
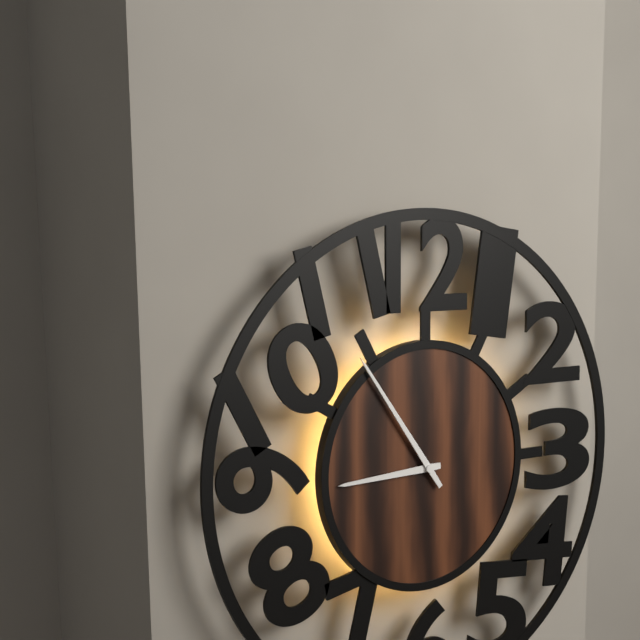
**8:54**
